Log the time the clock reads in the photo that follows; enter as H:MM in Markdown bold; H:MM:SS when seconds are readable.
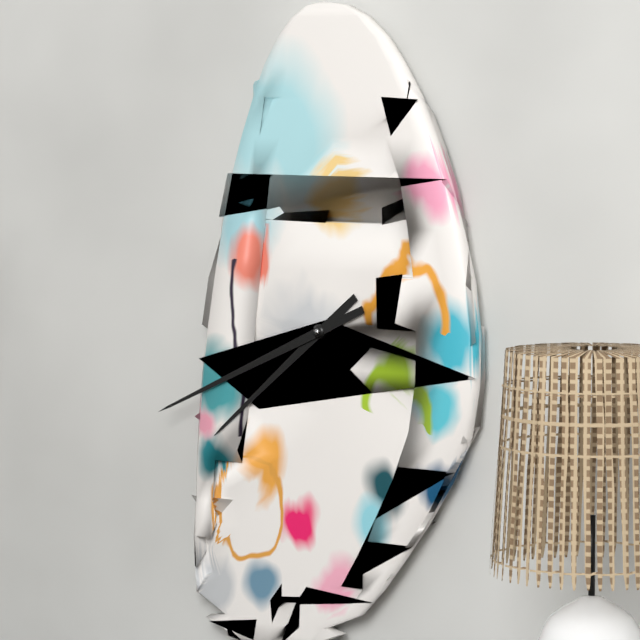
**7:41**
